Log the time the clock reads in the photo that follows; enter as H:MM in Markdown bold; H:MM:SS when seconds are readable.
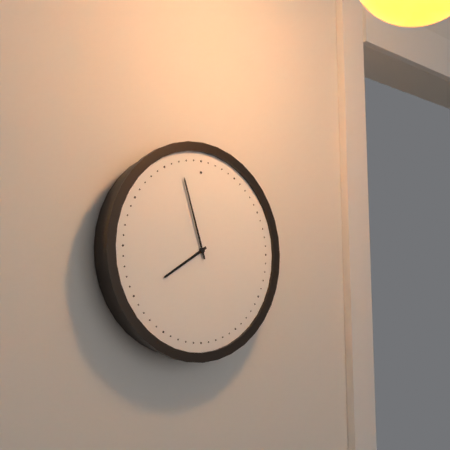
**7:57**
